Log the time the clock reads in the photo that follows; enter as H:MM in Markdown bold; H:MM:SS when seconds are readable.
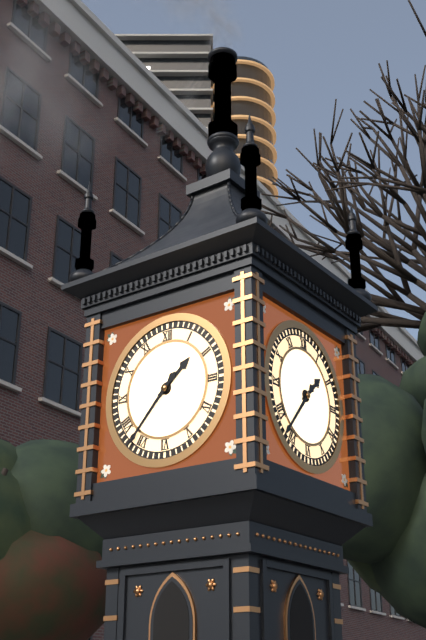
**1:37**
